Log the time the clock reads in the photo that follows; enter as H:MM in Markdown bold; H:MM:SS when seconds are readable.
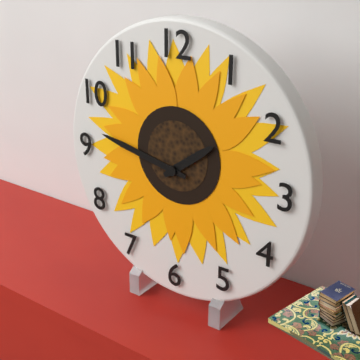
**1:47**
